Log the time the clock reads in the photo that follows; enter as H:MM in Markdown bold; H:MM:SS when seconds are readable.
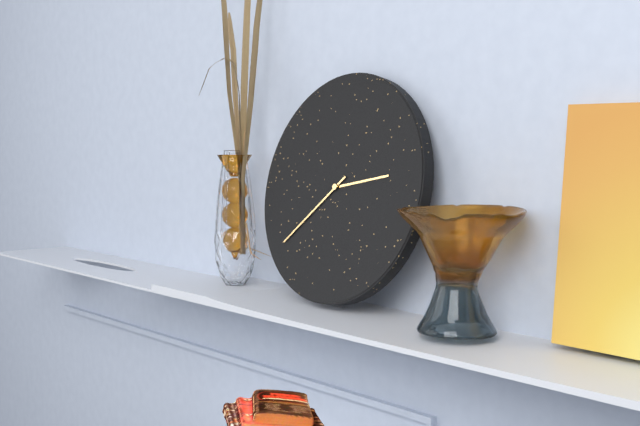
**2:38**
